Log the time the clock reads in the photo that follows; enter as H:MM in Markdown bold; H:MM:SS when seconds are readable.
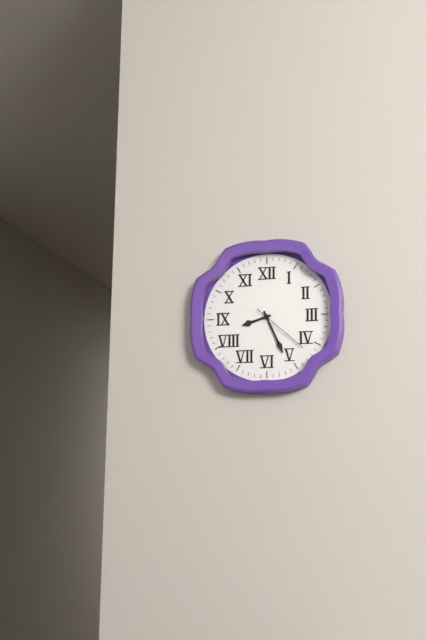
**8:26:22**
